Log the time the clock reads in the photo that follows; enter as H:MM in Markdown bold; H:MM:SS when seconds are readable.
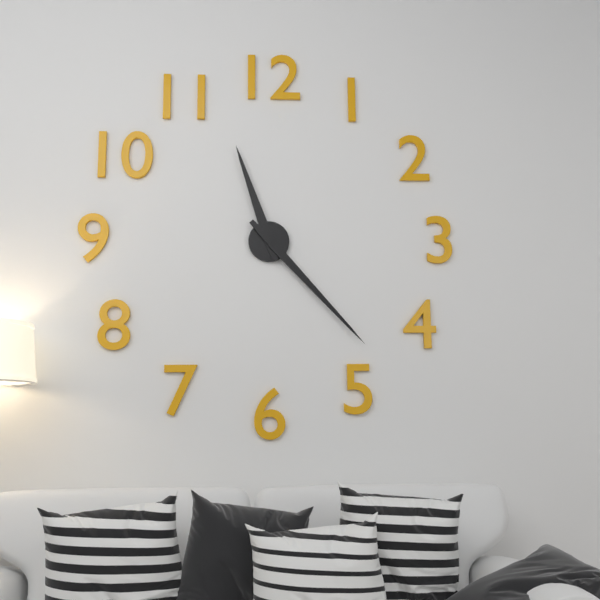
**11:23**
